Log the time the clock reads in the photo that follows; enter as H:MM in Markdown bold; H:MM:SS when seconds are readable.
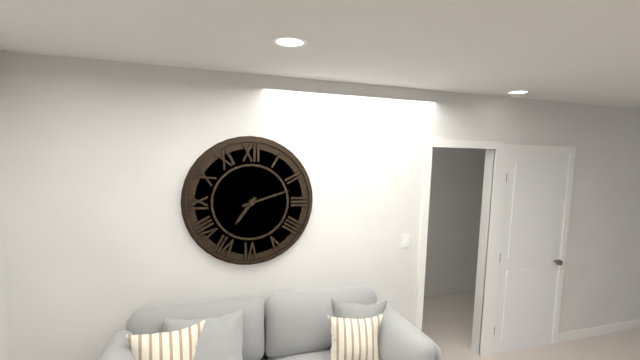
**7:12**
